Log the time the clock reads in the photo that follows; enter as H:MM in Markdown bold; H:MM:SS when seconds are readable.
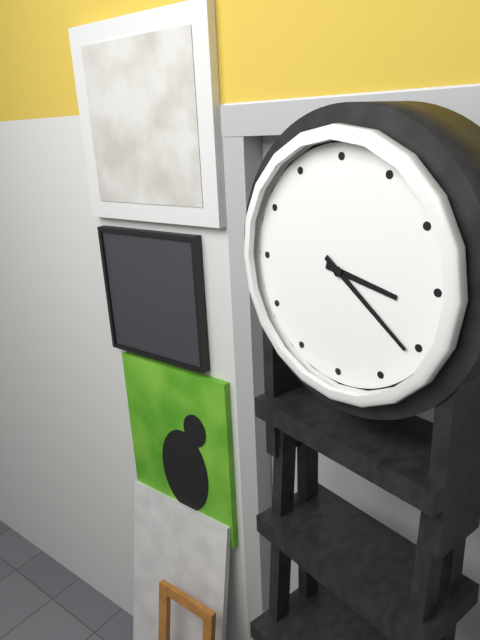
**3:21**
